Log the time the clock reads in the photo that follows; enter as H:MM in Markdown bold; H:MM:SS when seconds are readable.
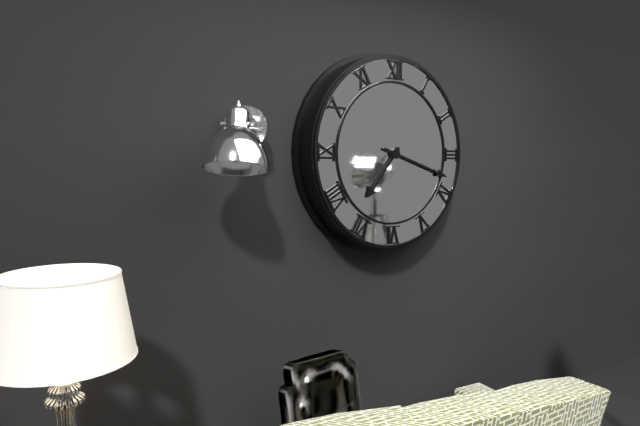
**7:18**
